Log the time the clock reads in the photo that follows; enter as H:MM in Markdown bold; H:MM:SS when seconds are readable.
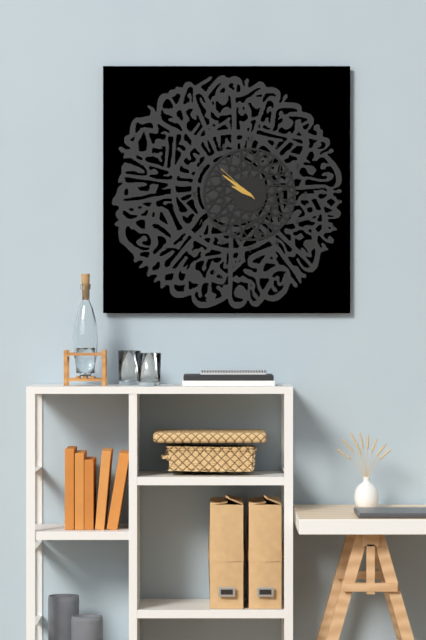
**9:51**
